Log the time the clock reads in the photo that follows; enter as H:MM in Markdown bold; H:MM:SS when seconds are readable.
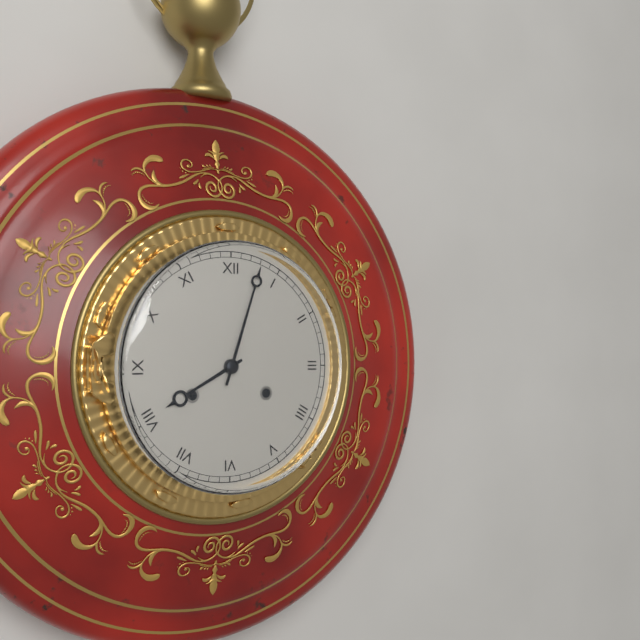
**8:03**
